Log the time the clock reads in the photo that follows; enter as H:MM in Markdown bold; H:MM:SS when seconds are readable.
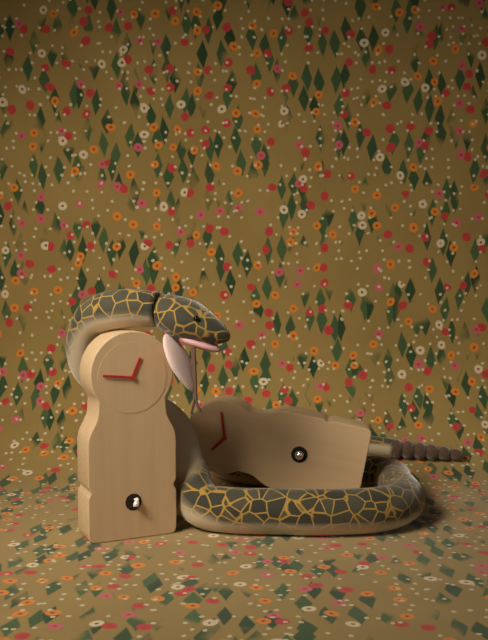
**12:46**
